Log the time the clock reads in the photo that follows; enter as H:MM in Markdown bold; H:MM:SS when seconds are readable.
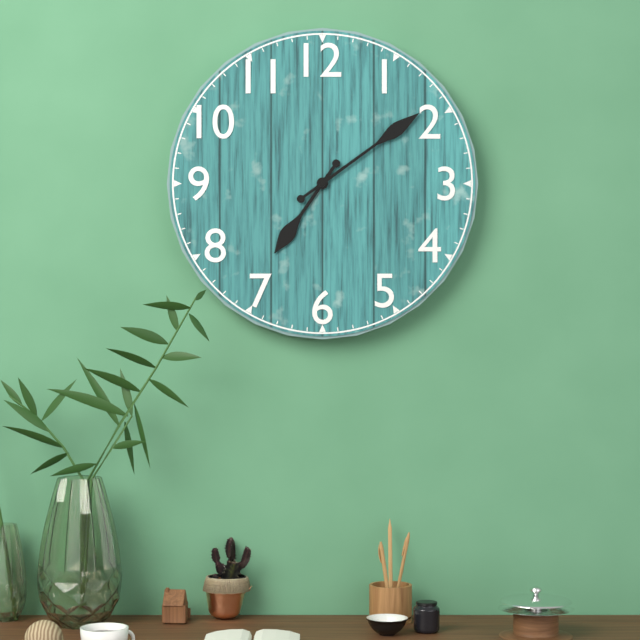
**7:09**
